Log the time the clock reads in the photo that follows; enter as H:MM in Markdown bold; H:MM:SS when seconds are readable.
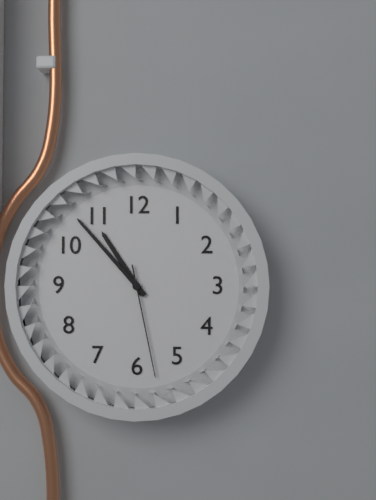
**10:53:28**
